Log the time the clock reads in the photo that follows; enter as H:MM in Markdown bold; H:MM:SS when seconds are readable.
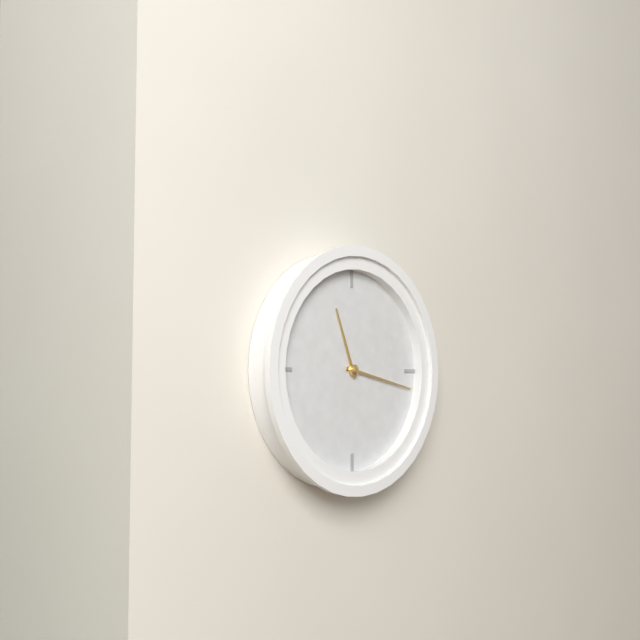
**11:17**
